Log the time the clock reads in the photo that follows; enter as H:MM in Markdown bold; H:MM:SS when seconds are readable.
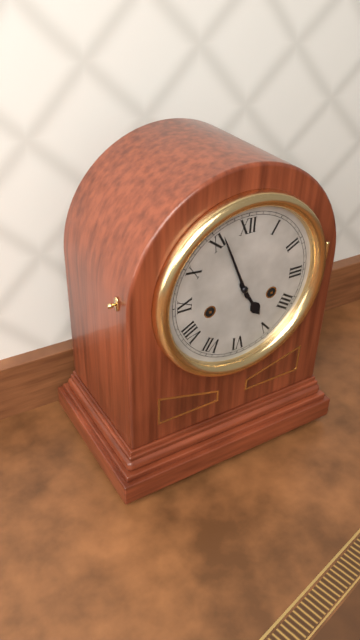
**4:56**
